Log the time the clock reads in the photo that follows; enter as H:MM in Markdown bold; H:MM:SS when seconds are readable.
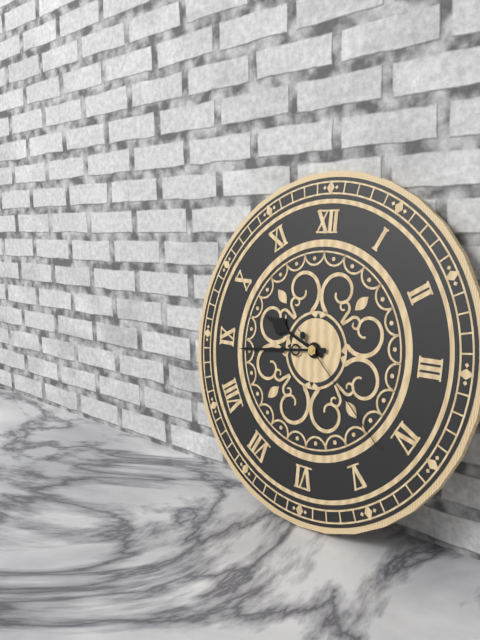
**9:44:22**
